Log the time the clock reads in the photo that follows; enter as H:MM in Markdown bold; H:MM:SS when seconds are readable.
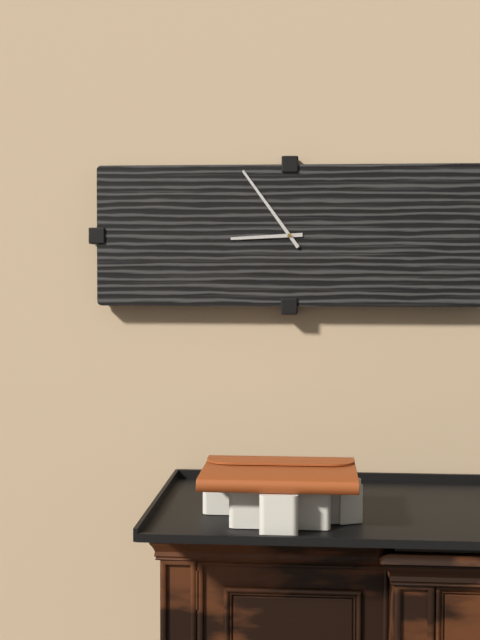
**8:54**
